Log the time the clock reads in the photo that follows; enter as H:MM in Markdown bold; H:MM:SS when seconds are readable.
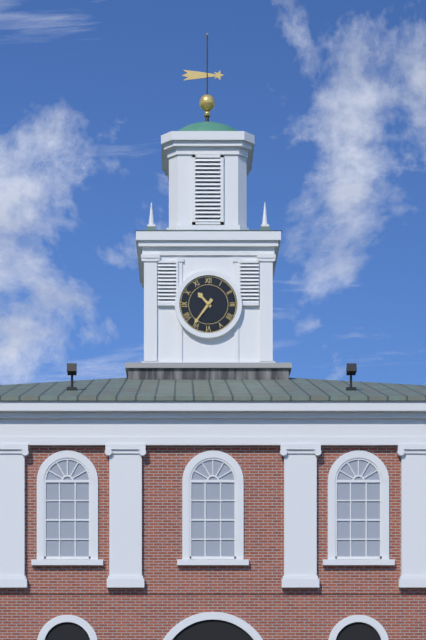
**10:36**
